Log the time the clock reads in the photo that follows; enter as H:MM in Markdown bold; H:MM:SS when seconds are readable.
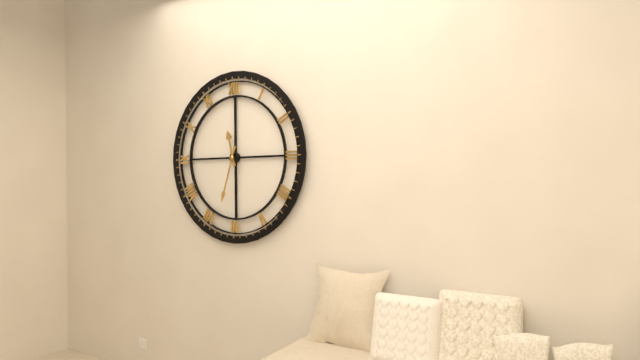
**11:33**
